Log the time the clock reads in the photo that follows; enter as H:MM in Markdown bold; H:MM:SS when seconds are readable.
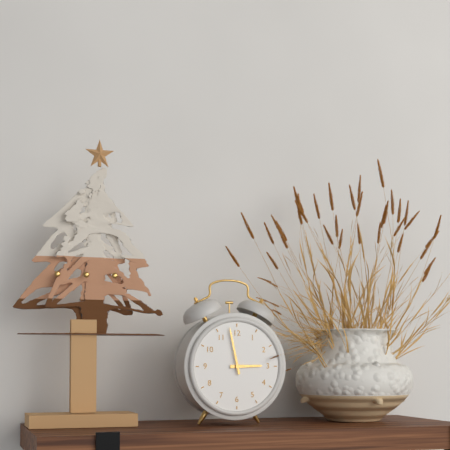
**2:58**
